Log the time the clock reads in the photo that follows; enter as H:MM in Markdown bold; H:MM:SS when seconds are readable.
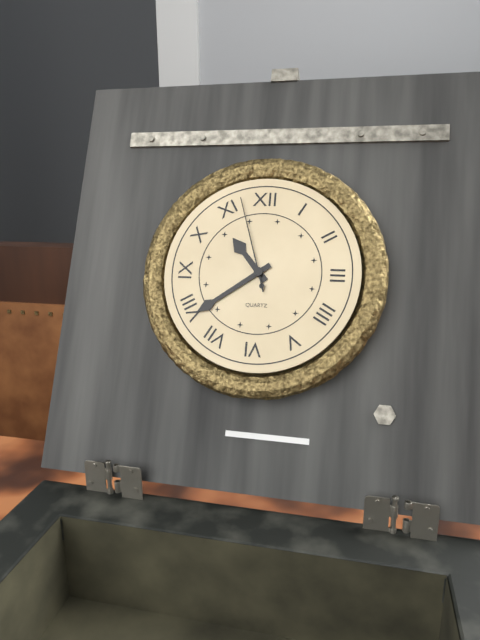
**10:39:57**
